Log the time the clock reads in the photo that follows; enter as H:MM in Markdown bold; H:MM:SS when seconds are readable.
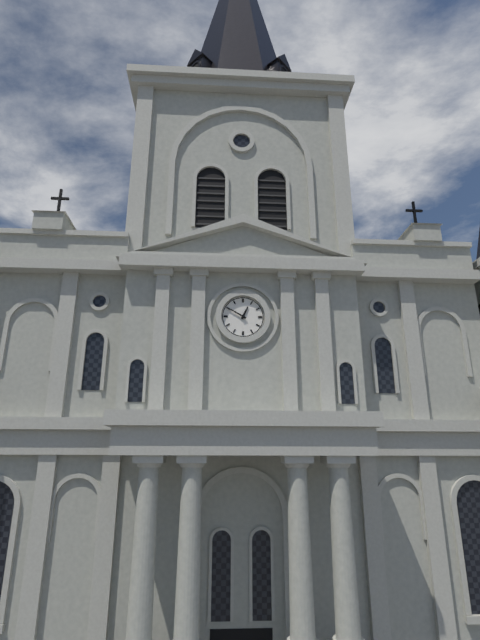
**12:50**
